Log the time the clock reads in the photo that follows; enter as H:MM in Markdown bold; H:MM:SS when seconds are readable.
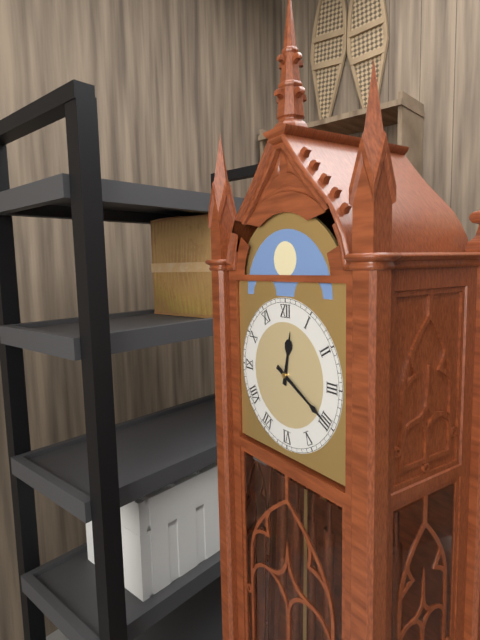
**12:20**
